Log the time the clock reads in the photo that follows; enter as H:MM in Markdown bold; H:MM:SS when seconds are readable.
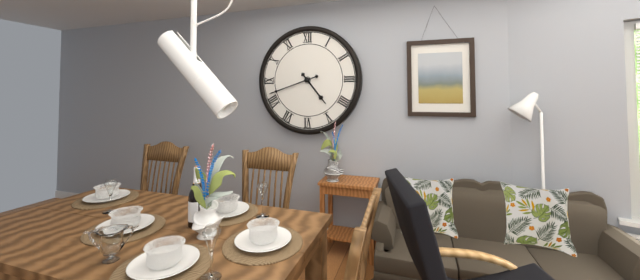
**4:42**
